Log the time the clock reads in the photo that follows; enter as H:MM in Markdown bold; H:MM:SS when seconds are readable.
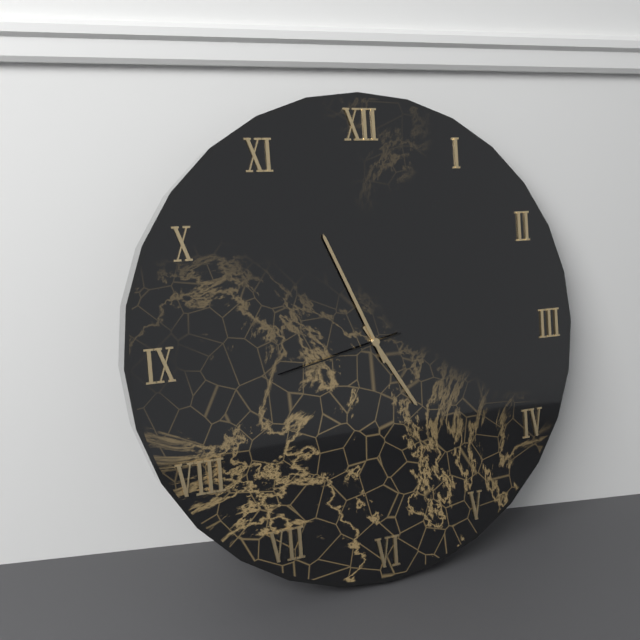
**4:56:43**
